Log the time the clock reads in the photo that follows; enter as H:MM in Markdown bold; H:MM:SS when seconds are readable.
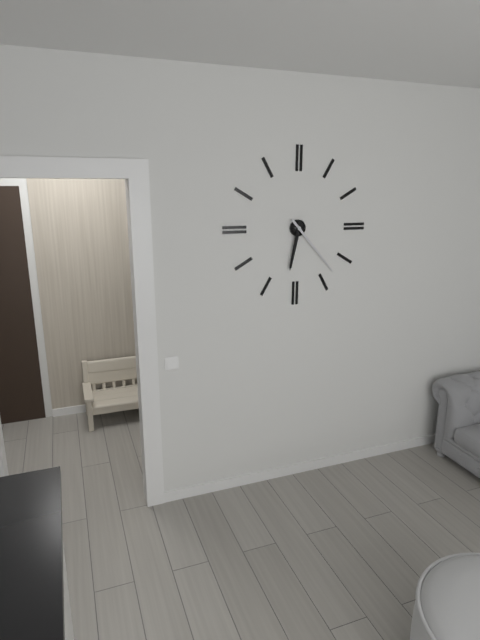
**6:23**
